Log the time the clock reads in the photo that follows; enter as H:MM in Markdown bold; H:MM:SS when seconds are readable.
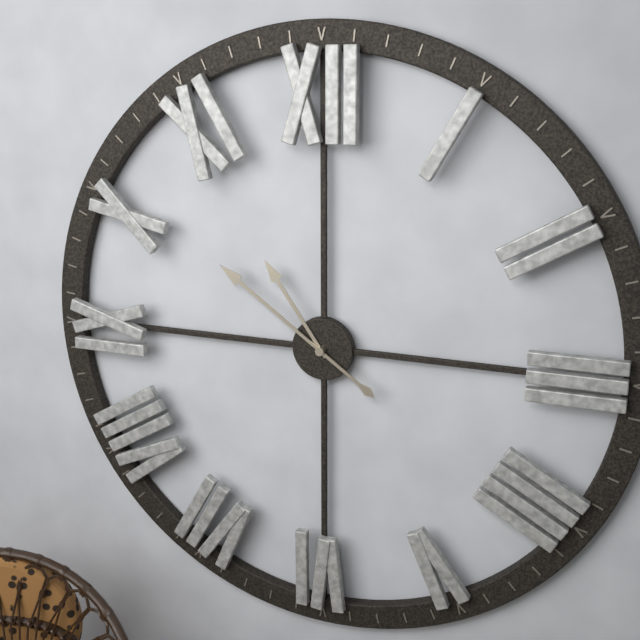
**10:51**
